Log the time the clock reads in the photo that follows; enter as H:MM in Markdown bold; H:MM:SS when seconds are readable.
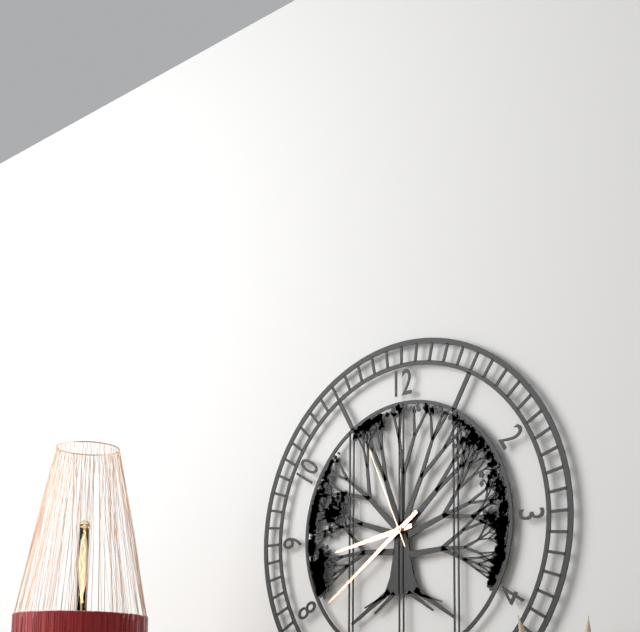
**8:39:56**
